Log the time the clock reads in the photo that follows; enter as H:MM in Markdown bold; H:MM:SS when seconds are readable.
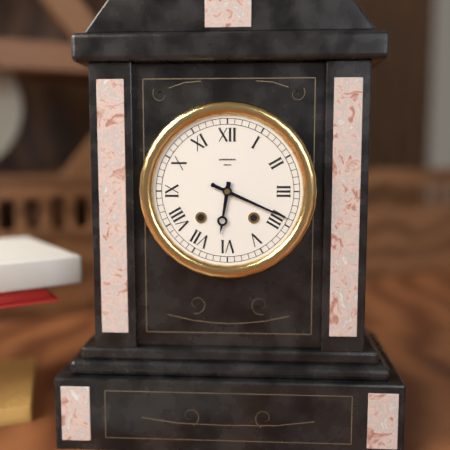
**6:19**
